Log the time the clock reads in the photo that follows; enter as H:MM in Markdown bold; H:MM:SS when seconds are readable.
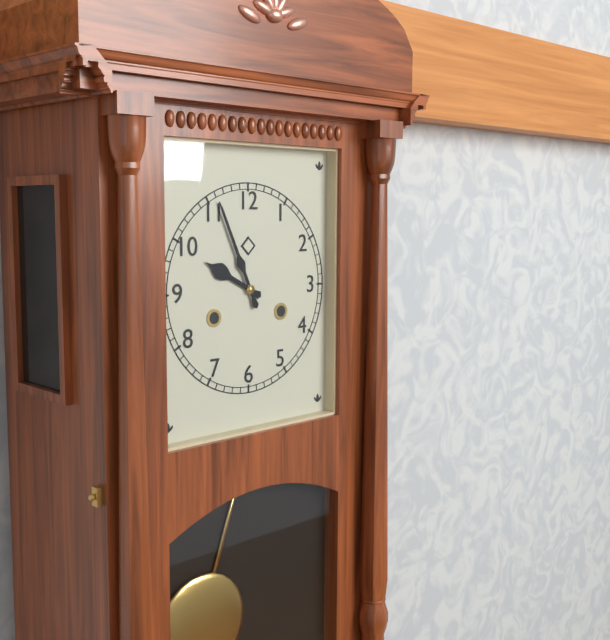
**9:56**
